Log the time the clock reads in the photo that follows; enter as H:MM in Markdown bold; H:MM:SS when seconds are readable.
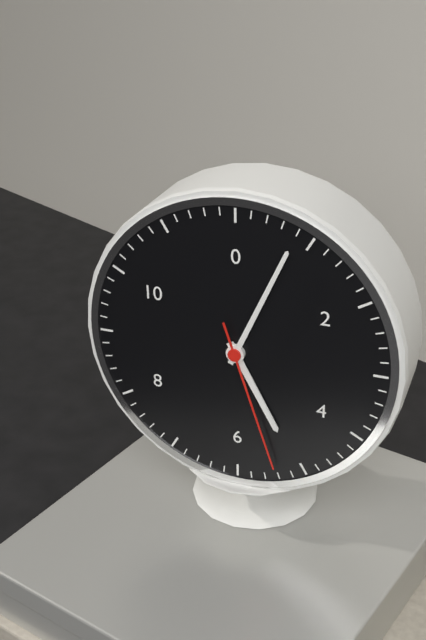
**5:04:27**
